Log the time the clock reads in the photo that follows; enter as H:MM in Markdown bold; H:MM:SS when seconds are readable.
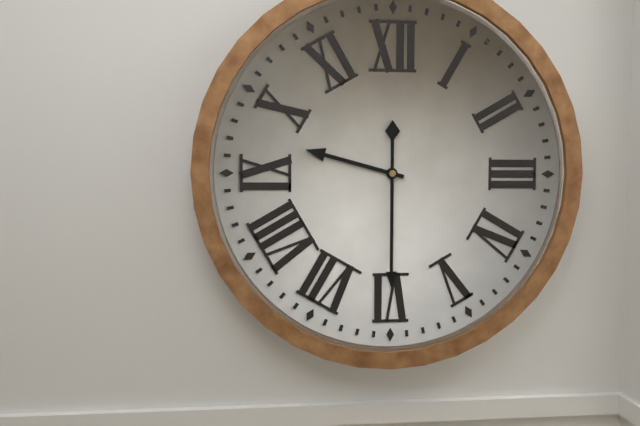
**9:30**
